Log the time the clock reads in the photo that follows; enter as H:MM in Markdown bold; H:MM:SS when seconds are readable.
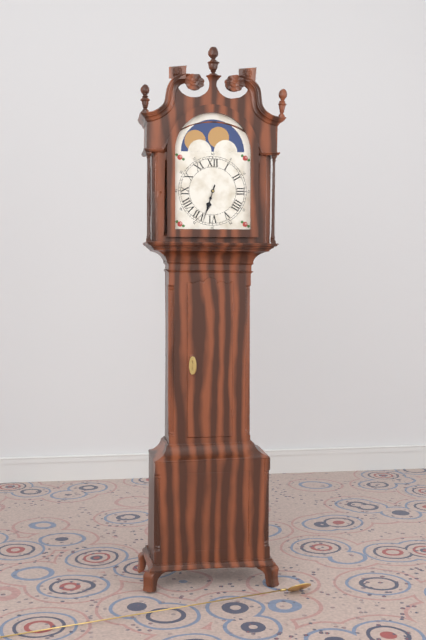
**6:33**
